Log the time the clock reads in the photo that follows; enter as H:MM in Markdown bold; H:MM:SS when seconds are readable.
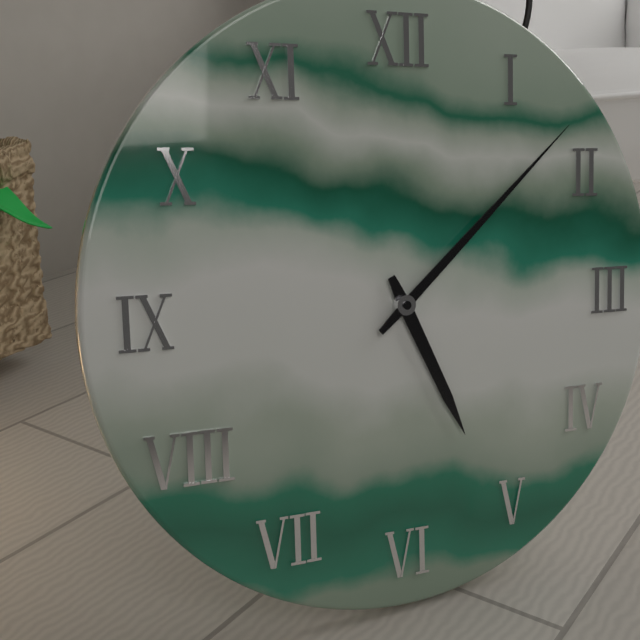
**5:08**
